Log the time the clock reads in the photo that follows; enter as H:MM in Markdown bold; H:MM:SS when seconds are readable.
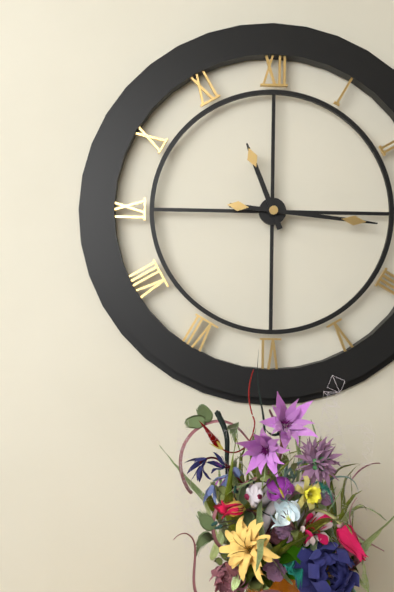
**11:16**
